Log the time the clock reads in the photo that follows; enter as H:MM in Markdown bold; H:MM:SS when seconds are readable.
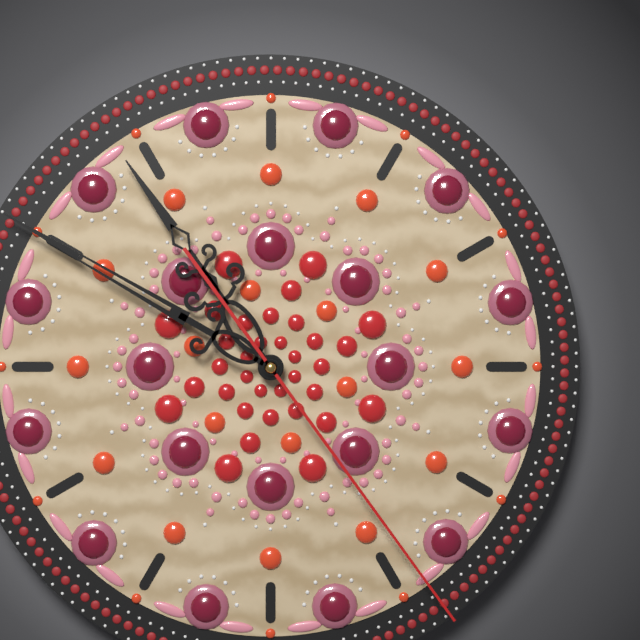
**10:50:24**
